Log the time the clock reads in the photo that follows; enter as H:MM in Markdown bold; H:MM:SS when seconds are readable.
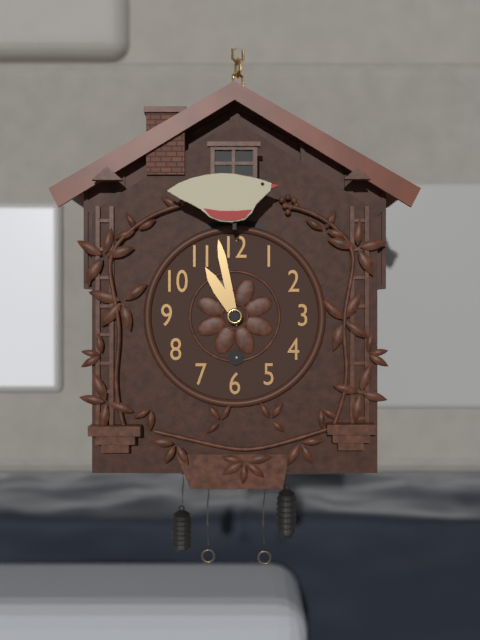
**10:58**
